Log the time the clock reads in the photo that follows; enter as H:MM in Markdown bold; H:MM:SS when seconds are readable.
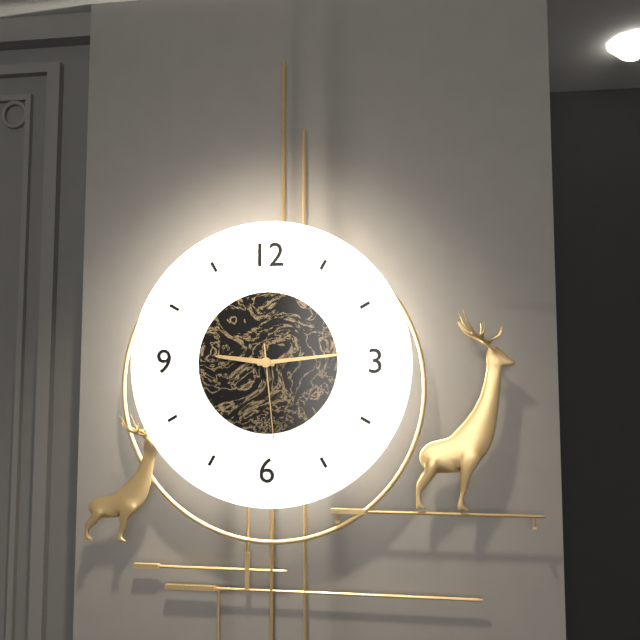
**9:14:29**
